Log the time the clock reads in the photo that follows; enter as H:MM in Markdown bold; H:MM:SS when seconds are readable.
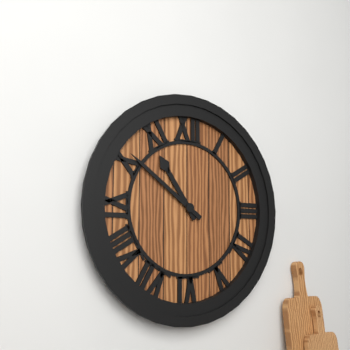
**10:51**
